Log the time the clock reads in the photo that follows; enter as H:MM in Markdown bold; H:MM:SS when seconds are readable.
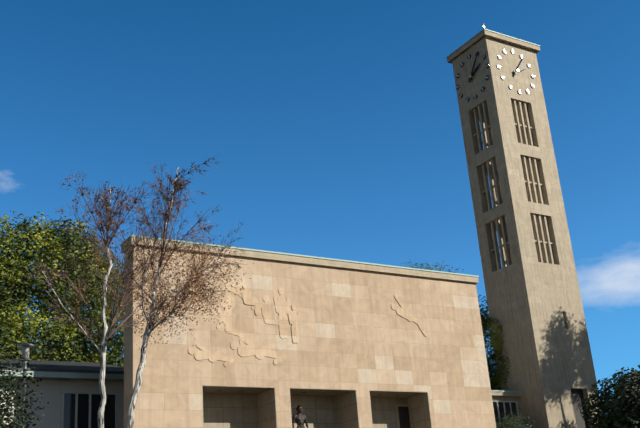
**2:06**
